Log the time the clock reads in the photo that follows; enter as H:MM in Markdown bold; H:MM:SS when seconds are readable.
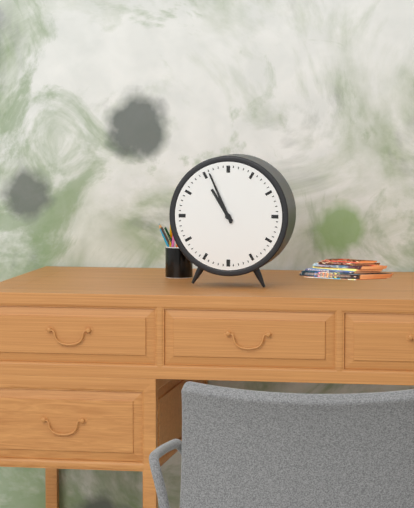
**10:56**
